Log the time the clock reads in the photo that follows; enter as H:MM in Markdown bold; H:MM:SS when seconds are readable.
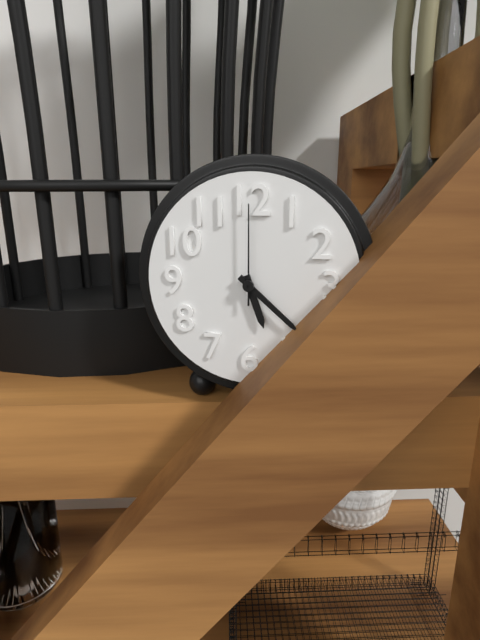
**5:22:00**
